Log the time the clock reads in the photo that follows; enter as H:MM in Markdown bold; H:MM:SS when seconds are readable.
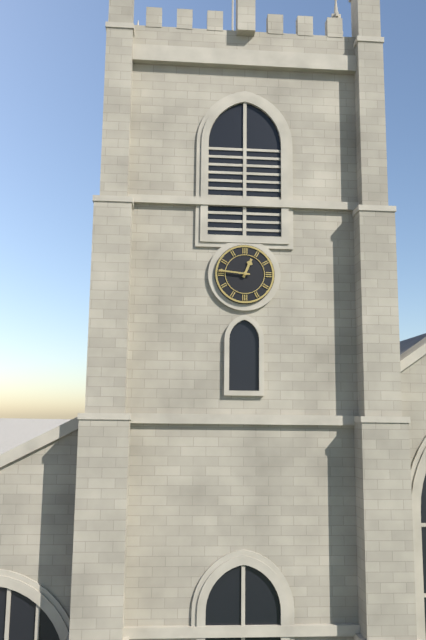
**12:46**
